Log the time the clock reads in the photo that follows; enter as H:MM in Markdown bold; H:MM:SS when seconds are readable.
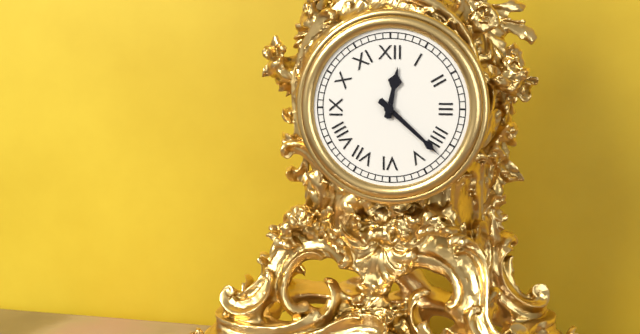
**12:22**
